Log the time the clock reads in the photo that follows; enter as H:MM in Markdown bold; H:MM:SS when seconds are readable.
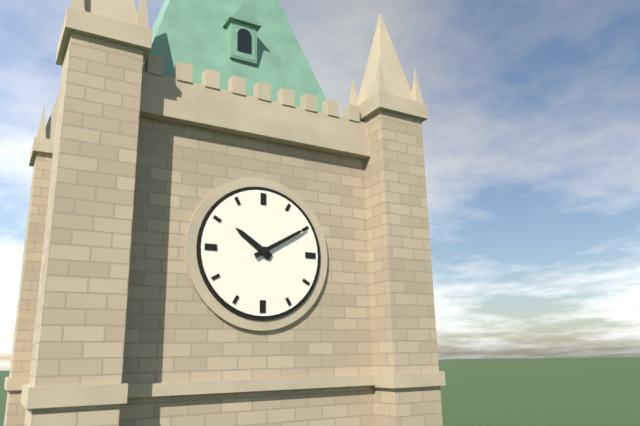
**10:10**
